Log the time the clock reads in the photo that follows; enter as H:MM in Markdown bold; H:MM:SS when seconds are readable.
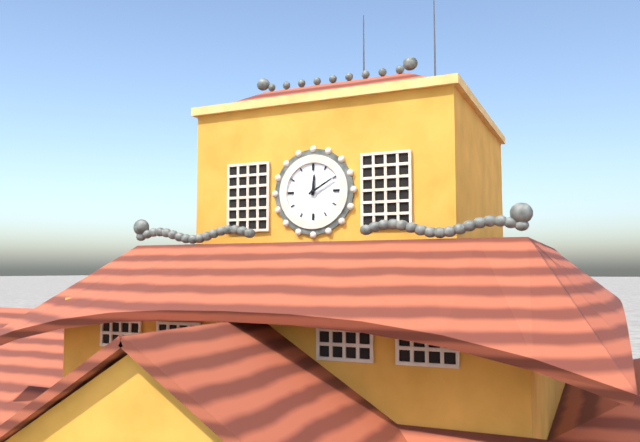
**12:10**
